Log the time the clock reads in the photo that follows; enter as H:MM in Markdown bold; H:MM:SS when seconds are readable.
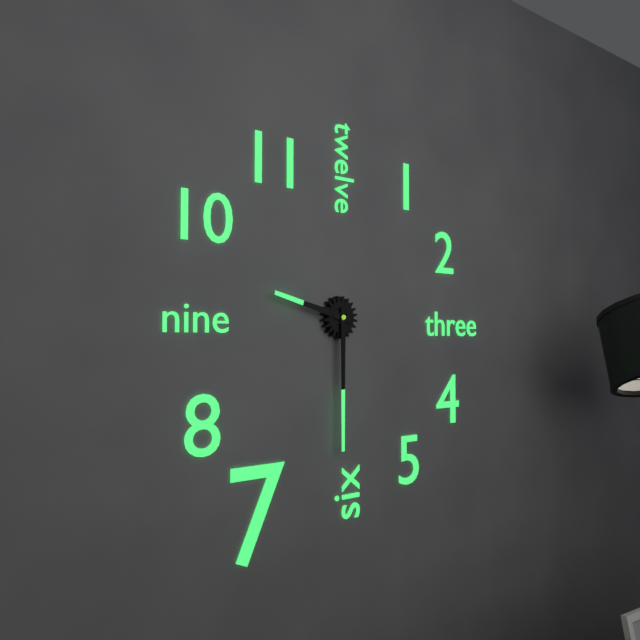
**9:30**
